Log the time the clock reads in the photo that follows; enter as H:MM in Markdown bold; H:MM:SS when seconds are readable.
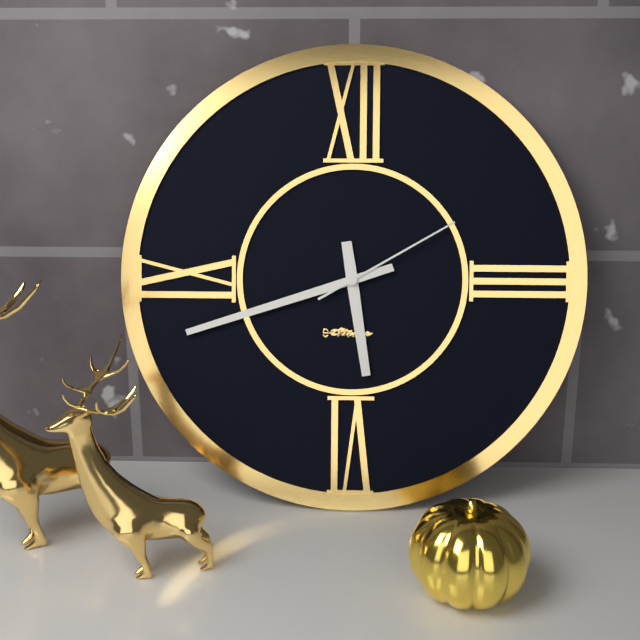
**5:42:10**
